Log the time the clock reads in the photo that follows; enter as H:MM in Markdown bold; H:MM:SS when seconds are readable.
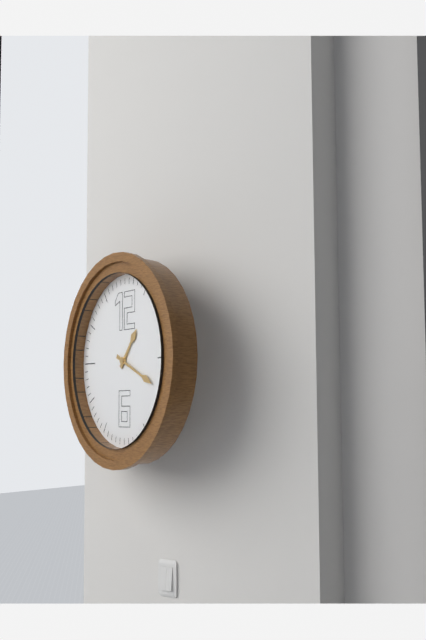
**1:19**
